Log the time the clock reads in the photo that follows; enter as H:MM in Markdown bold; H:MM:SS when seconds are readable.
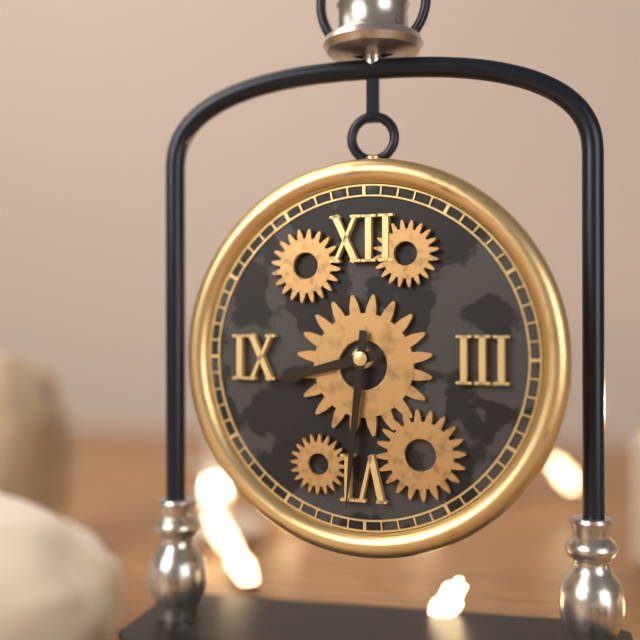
**8:31**
